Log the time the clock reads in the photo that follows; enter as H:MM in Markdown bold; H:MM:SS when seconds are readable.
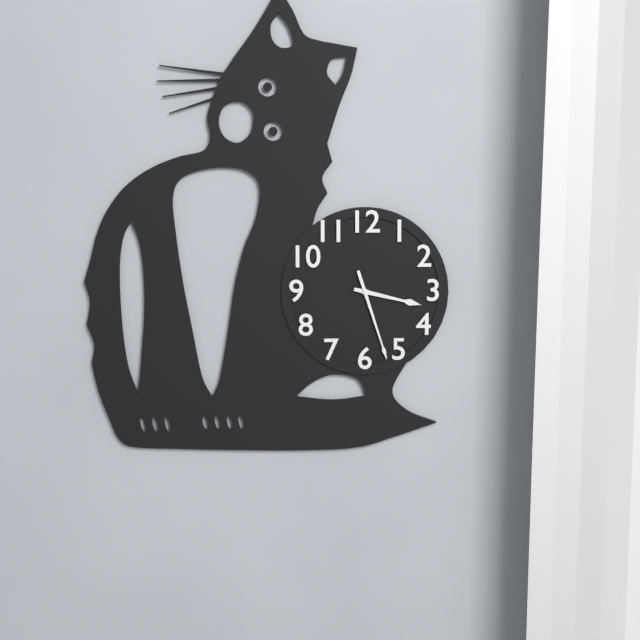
**3:27**
